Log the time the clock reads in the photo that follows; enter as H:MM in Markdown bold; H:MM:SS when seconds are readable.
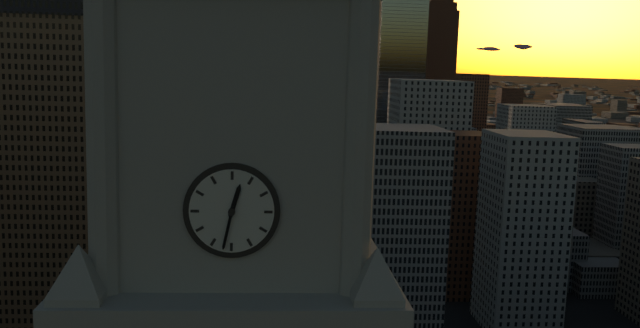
**12:32**
